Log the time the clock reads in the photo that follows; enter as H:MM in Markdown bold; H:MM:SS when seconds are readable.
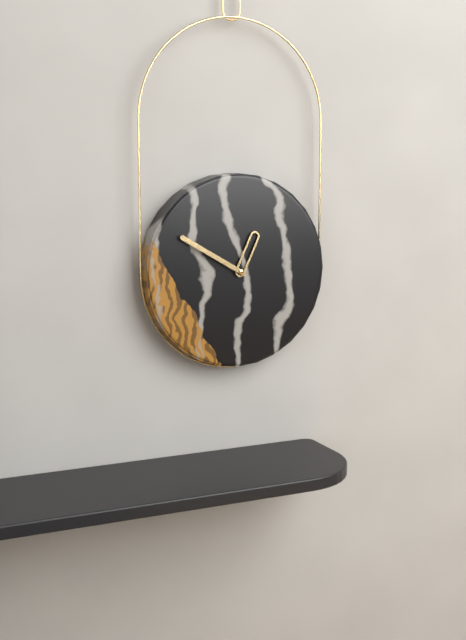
**12:50**
